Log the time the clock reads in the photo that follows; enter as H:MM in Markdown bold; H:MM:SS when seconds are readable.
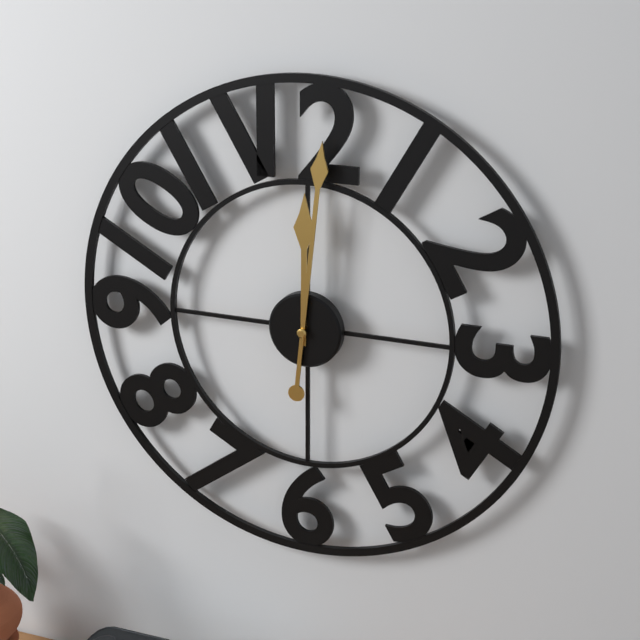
**12:01**
